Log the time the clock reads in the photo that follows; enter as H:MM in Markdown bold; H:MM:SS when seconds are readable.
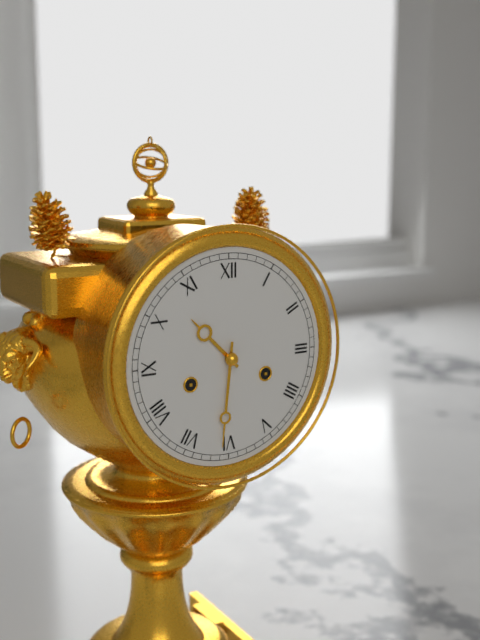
**10:31**
